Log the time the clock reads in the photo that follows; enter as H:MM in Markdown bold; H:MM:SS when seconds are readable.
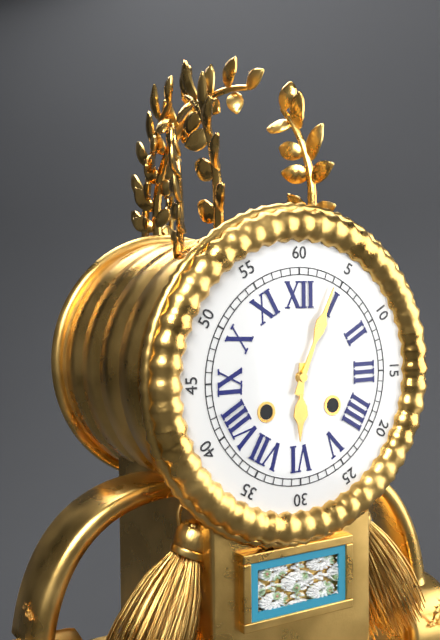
**6:04**
